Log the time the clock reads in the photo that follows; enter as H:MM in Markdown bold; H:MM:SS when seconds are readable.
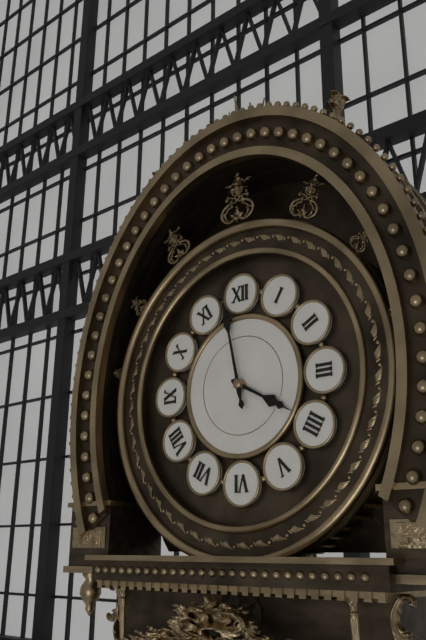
**3:58**
